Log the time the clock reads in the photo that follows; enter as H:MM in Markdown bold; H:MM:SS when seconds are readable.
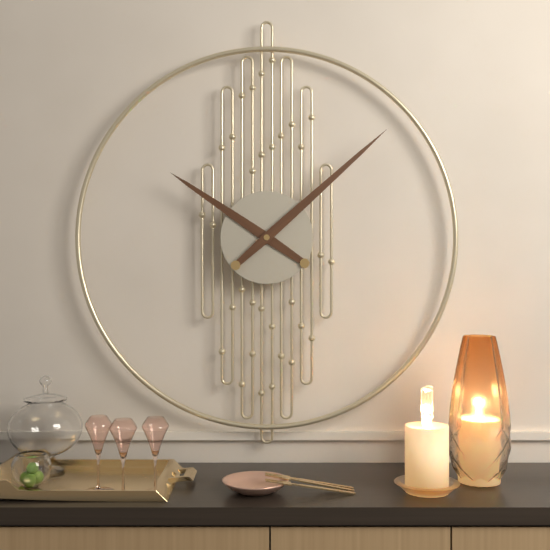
**10:08**
